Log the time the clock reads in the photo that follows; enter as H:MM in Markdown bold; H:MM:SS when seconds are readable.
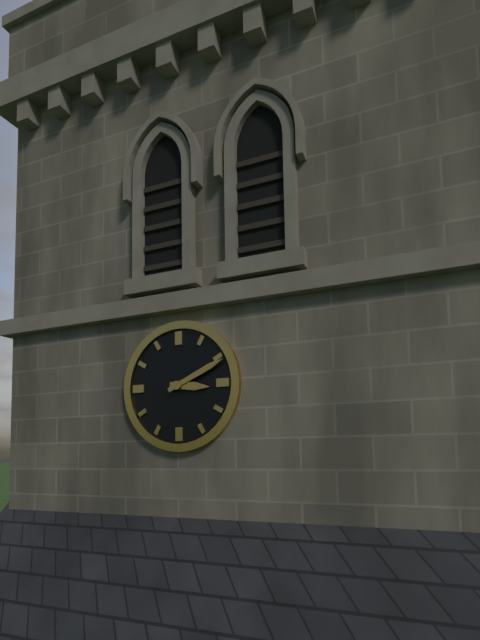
**3:11**
